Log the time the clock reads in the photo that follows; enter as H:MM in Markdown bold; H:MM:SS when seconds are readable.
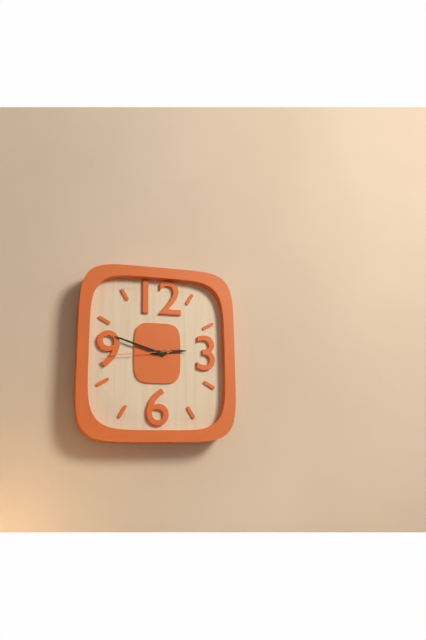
**2:48:44**
